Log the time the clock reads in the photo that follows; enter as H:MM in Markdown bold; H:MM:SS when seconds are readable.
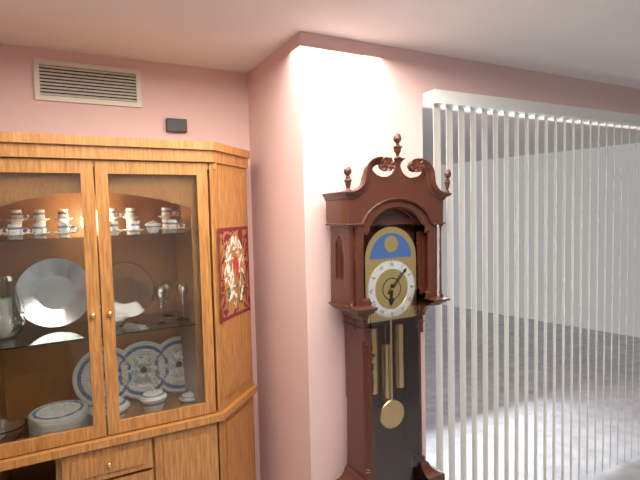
**6:07**
